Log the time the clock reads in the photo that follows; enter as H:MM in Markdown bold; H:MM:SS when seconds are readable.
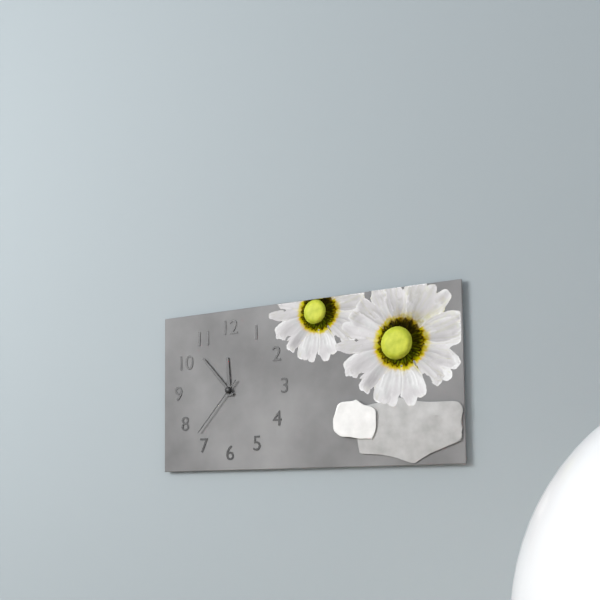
**11:53:37**
